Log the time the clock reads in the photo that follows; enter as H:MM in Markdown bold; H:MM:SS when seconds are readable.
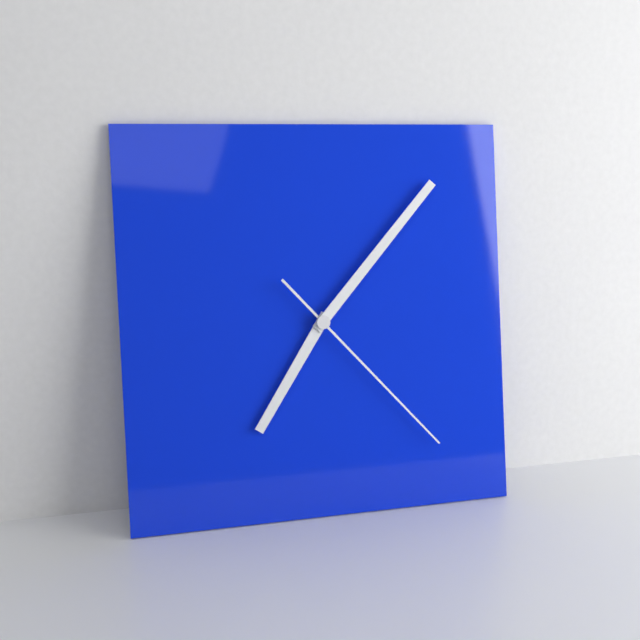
**7:07:23**
